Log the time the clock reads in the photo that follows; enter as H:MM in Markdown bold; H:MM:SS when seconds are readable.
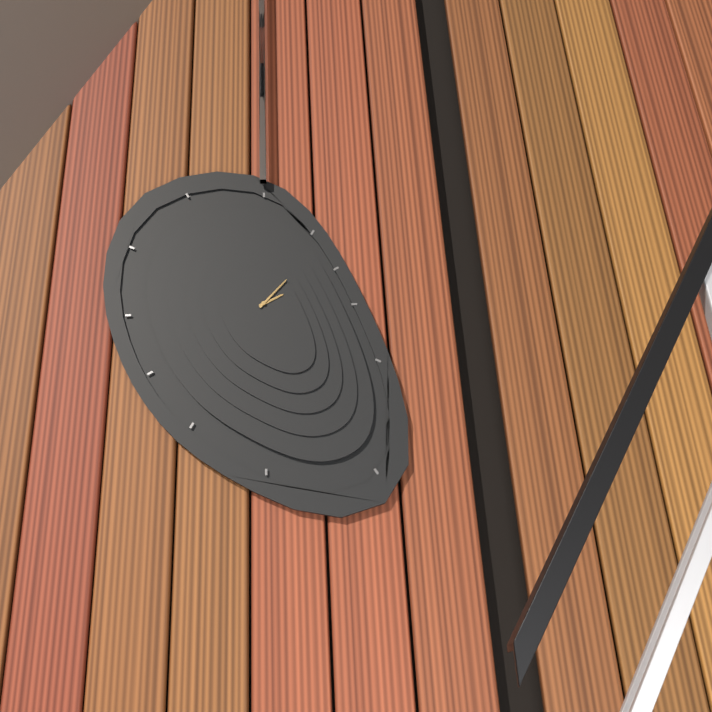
**2:07**
